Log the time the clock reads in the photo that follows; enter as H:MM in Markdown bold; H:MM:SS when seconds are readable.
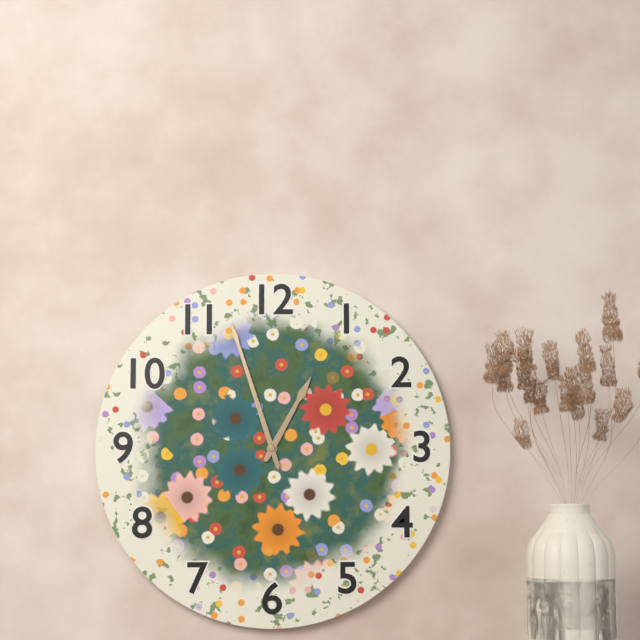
**12:57**
